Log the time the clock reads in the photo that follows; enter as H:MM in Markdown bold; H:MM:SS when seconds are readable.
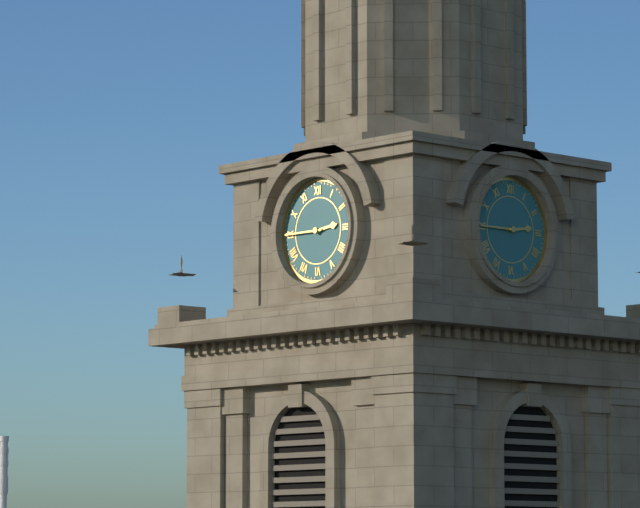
**2:45**
